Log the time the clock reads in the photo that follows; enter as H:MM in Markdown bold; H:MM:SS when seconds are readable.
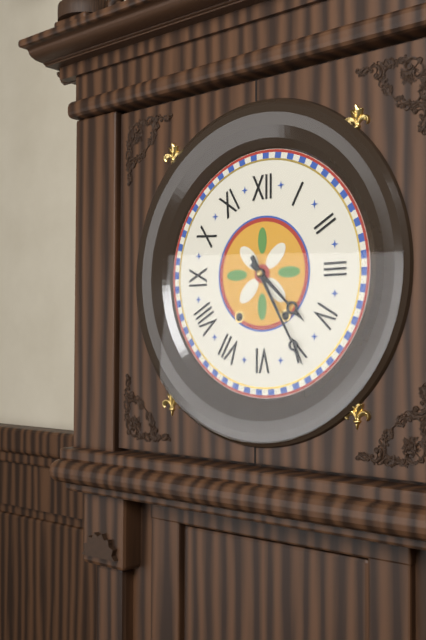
**4:25**
